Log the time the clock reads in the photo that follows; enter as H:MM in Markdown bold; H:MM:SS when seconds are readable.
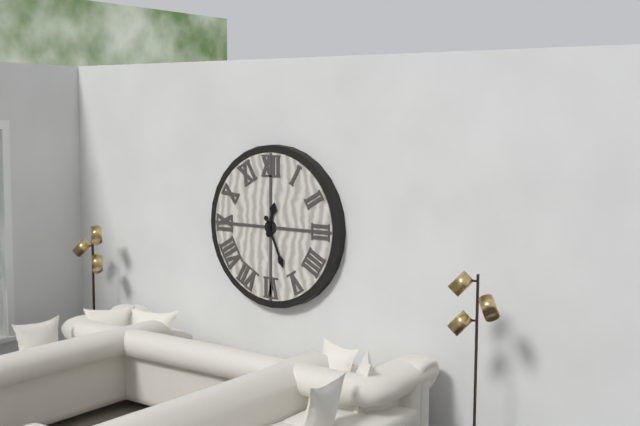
**12:26**
